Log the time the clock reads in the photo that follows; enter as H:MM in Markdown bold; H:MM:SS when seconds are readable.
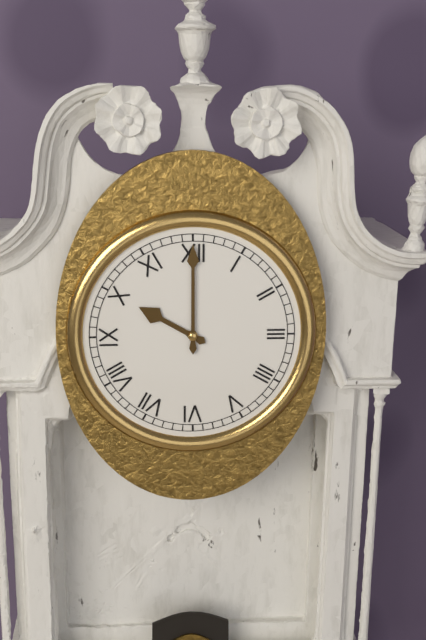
**10:00**
